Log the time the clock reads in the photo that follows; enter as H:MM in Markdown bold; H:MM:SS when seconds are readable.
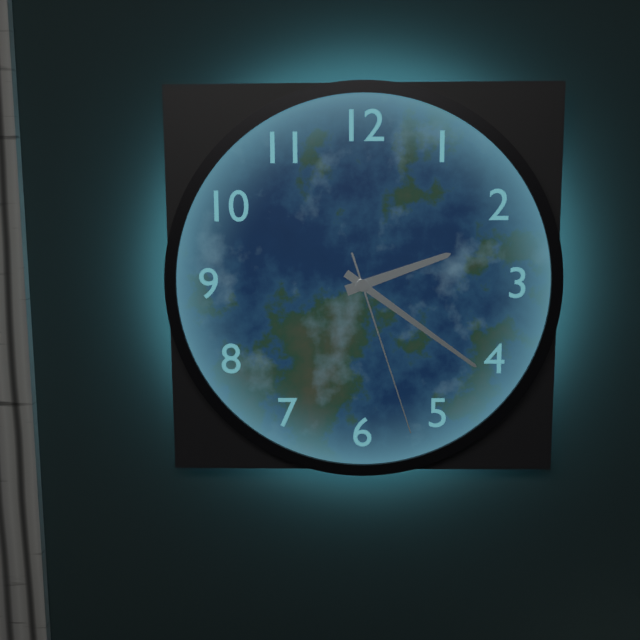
**2:21:27**
